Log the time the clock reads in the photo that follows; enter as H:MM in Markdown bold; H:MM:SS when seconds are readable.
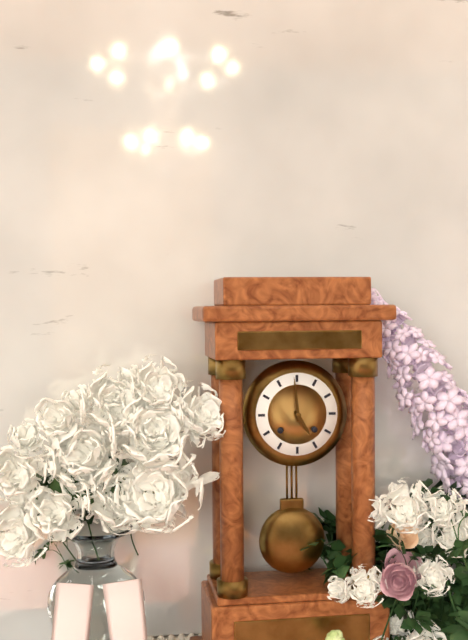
**4:59**
